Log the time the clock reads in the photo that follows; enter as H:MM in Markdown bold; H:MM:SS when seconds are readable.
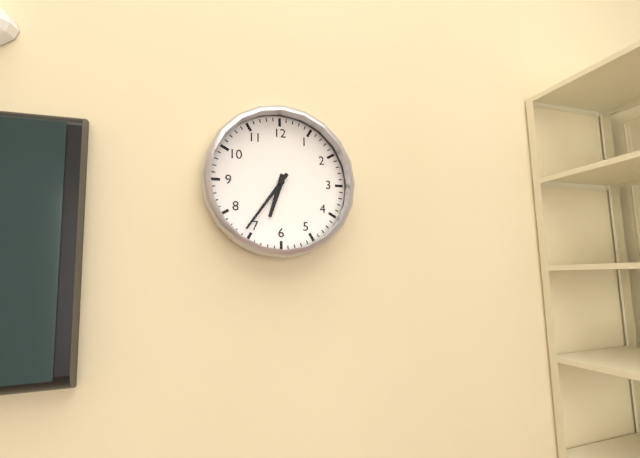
**6:36**
